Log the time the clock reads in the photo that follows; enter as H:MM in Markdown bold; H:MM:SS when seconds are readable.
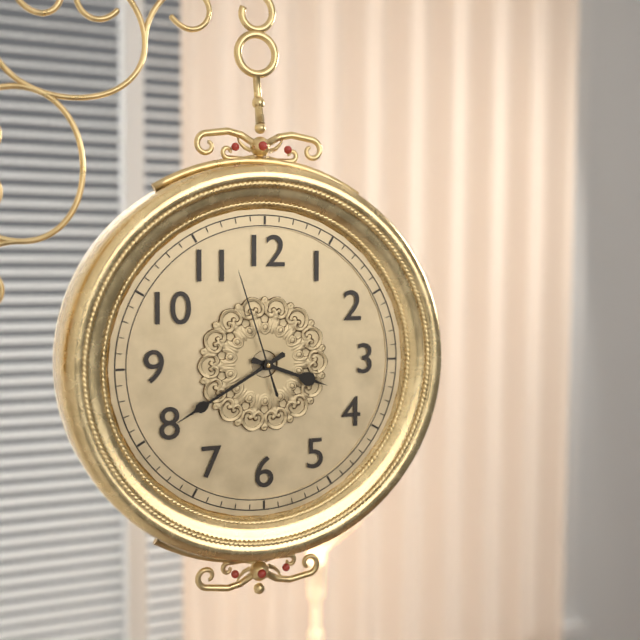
**3:40:57**
